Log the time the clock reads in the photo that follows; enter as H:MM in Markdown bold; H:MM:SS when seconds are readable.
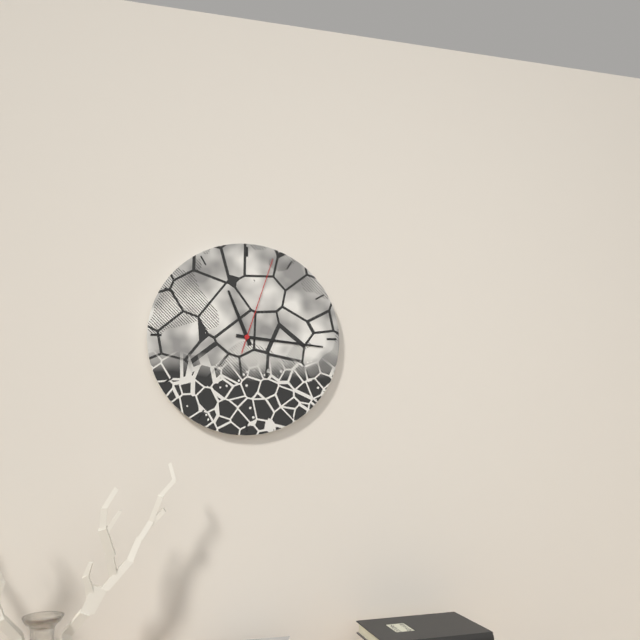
**11:16:03**
